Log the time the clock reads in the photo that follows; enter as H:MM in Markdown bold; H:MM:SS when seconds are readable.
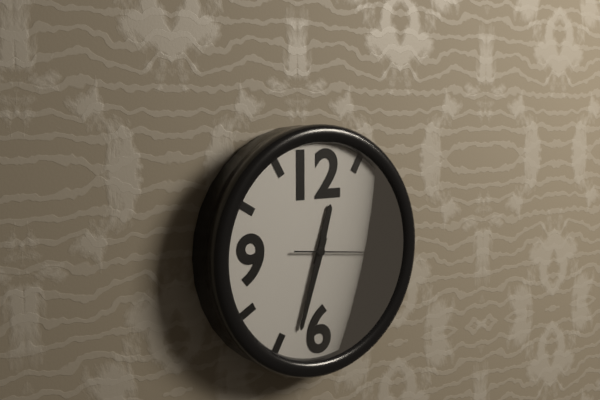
**12:33:16**
